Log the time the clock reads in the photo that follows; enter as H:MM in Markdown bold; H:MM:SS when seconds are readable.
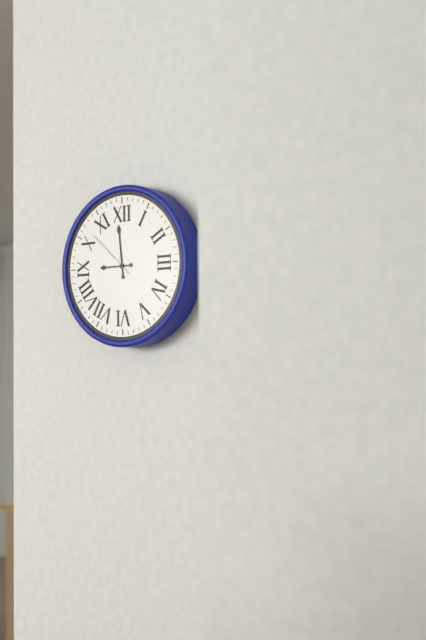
**8:59:52**
